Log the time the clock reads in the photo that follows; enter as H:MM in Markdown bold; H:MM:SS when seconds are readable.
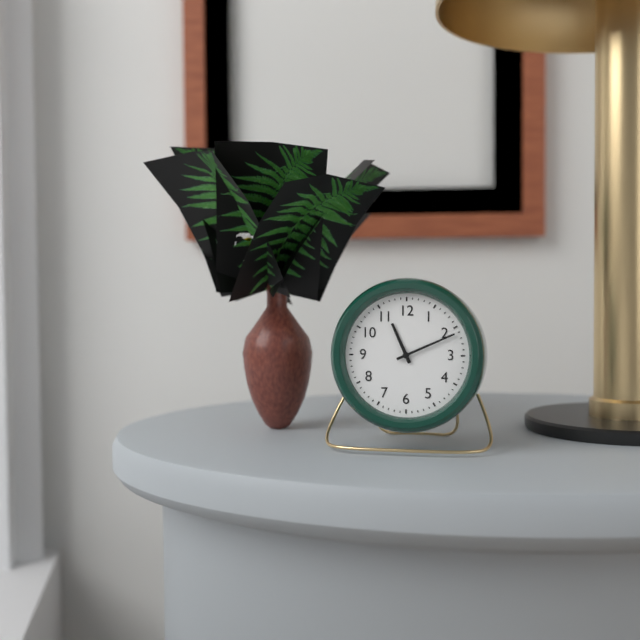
**11:11**
